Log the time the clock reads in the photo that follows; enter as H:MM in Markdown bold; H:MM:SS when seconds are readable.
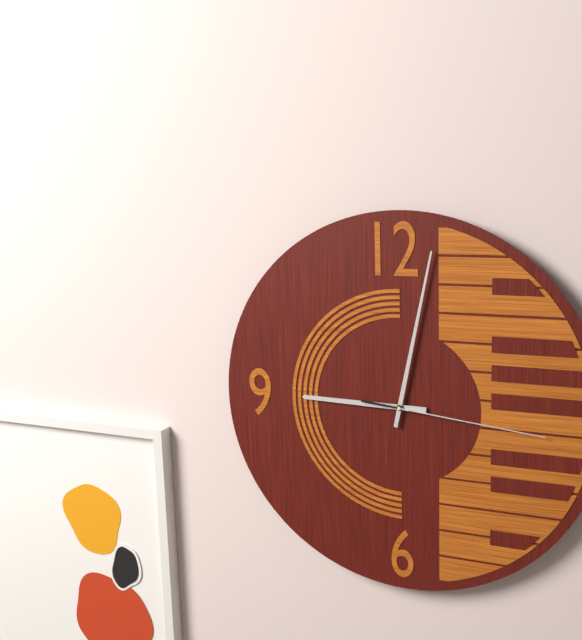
**9:02:16**
